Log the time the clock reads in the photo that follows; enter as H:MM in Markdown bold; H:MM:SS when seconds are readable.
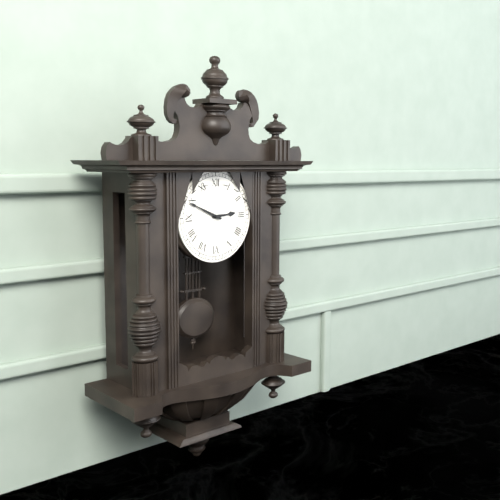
**2:49**
